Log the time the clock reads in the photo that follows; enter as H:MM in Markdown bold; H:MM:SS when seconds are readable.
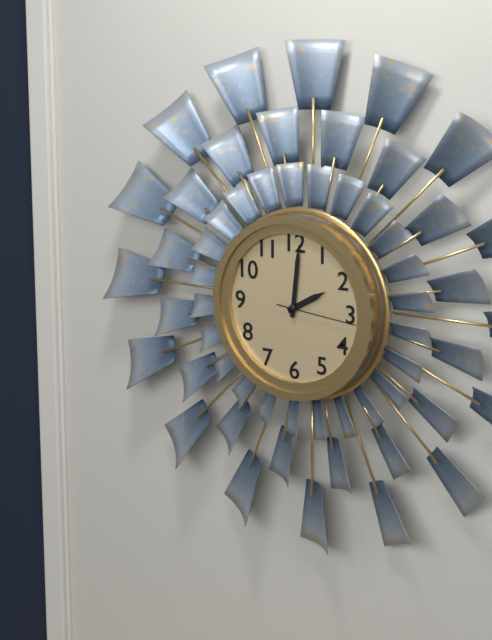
**2:01:16**
